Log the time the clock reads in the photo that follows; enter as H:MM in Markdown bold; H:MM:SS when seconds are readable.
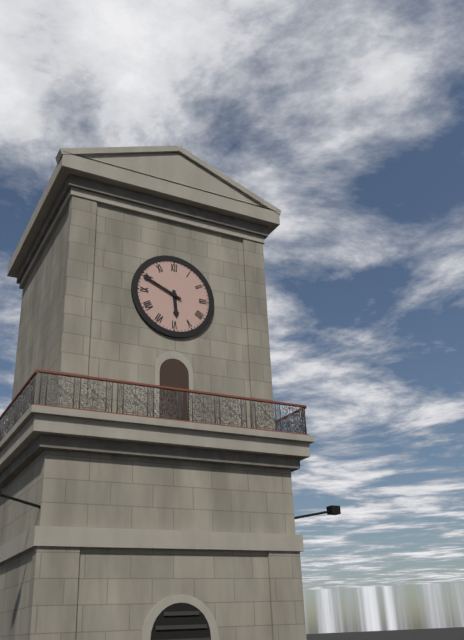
**5:49**
